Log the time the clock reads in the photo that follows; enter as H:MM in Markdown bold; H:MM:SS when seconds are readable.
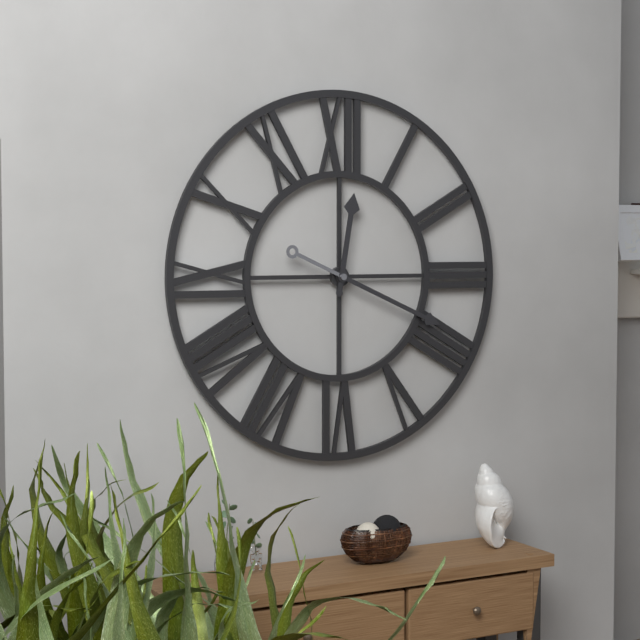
**12:19**
